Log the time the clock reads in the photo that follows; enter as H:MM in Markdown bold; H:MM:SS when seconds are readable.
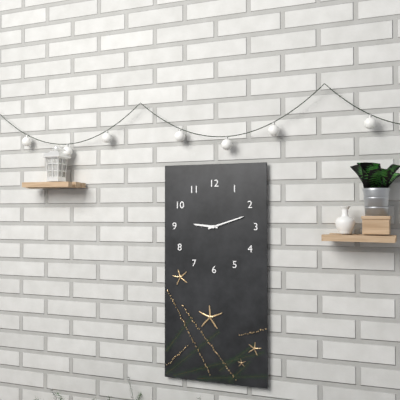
**9:12**
